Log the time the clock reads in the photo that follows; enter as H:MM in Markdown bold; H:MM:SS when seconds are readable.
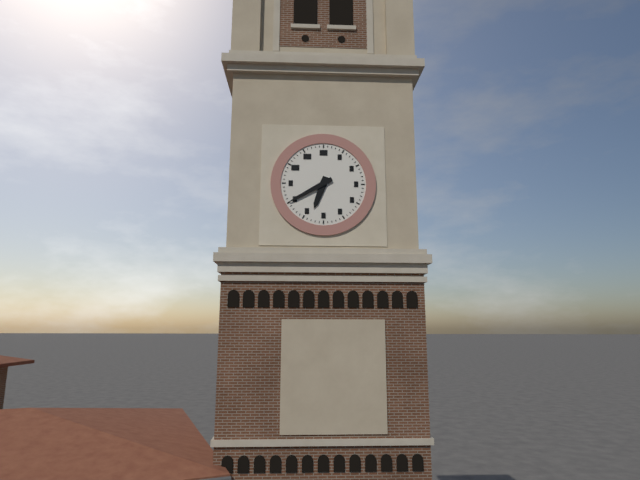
**6:40**
